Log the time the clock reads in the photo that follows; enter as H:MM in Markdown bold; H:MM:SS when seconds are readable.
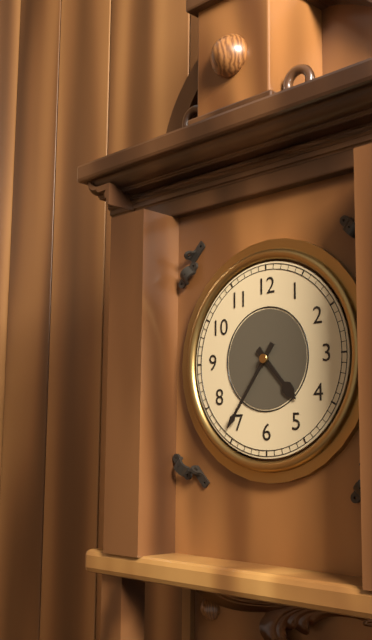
**4:36**
